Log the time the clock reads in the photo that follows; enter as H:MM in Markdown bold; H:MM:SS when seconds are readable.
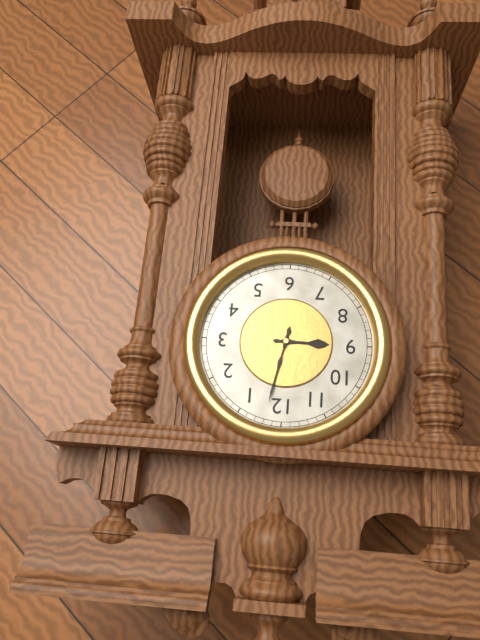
**9:02**
